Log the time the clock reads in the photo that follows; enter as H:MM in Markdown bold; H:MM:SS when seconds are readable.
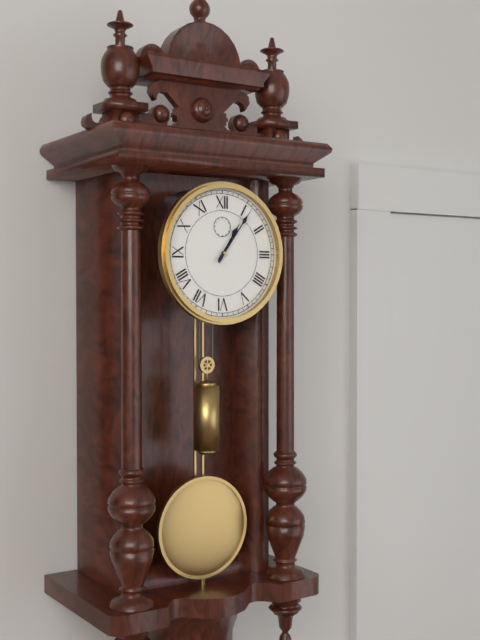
**1:06**
